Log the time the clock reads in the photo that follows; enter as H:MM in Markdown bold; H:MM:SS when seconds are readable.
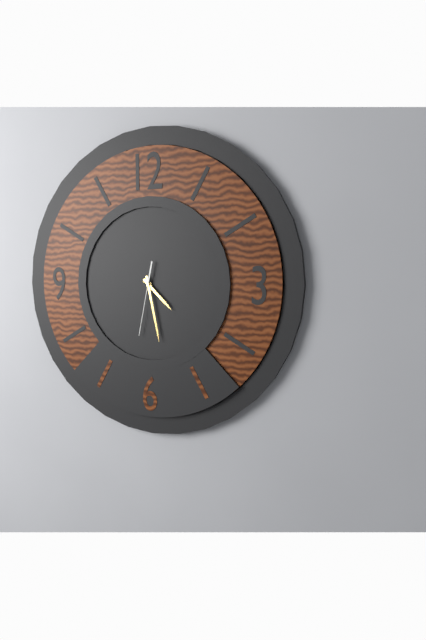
**4:28:32**
